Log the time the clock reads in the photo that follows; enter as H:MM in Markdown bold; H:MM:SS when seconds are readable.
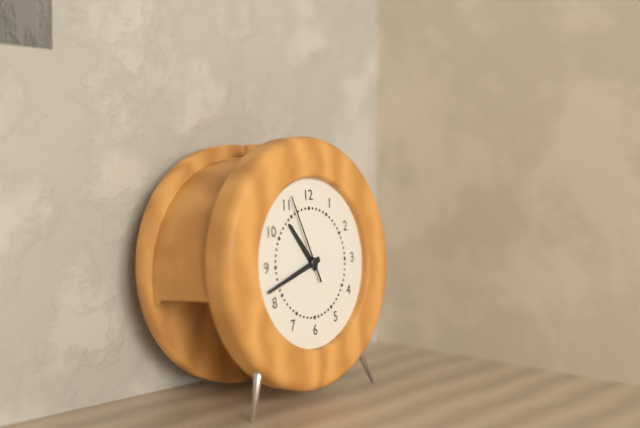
**10:42:56**
